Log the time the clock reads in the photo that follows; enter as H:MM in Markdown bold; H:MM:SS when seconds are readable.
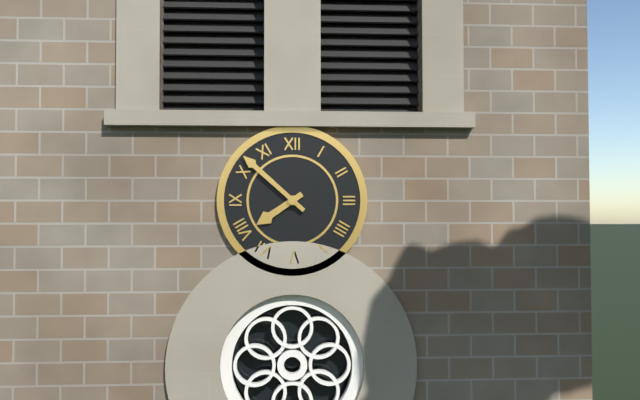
**7:52**
